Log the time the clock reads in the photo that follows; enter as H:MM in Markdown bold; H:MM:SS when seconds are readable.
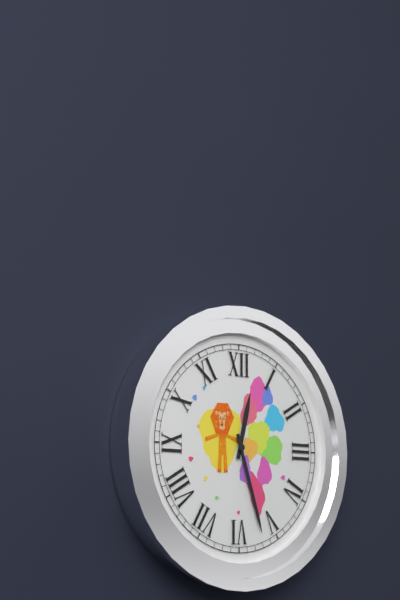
**12:27**
